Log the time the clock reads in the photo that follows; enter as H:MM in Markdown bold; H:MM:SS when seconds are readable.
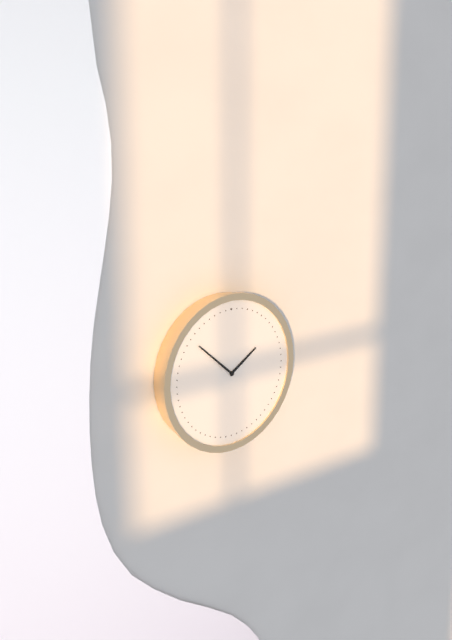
**1:52**
